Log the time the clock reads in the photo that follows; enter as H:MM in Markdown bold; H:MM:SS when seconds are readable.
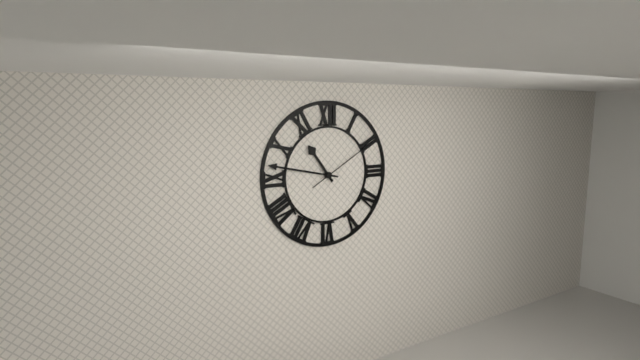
**10:47:10**
